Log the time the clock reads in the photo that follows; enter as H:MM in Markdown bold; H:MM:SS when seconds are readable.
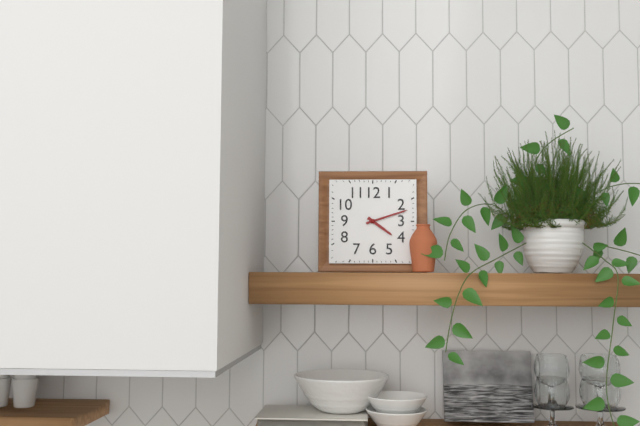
**4:12**
